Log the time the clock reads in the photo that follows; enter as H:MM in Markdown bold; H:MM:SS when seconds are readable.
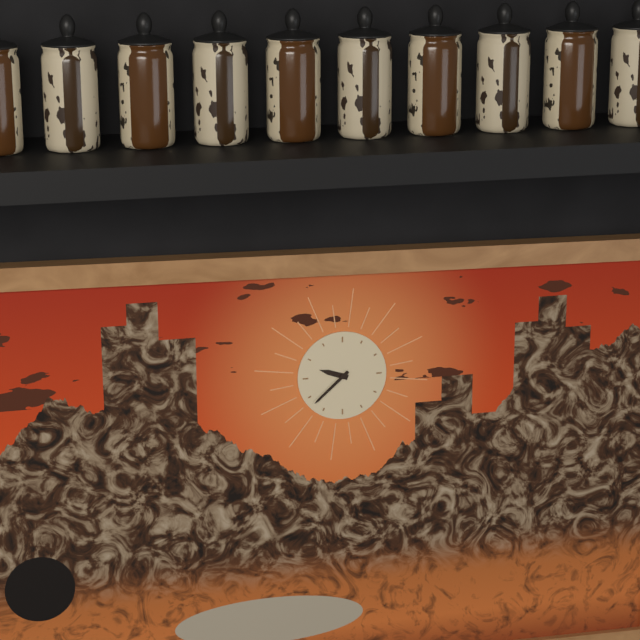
**9:38**
